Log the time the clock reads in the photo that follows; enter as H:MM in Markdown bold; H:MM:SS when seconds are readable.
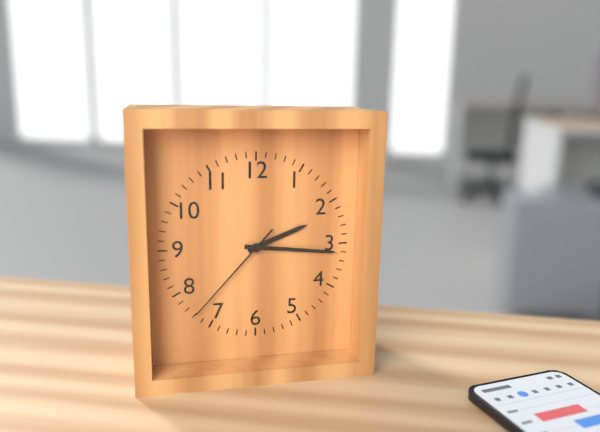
**2:16:37**
